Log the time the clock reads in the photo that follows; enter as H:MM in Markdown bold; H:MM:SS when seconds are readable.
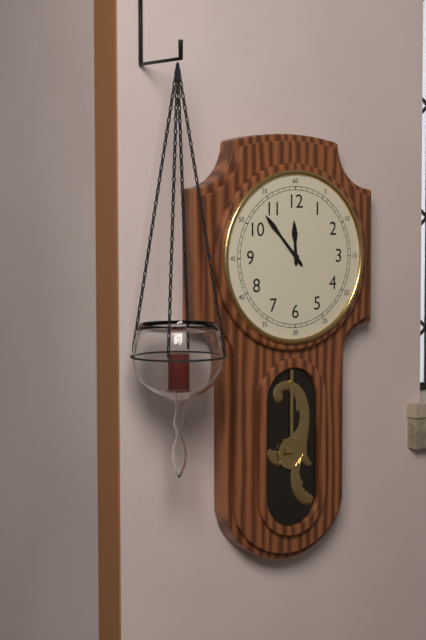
**11:53**
